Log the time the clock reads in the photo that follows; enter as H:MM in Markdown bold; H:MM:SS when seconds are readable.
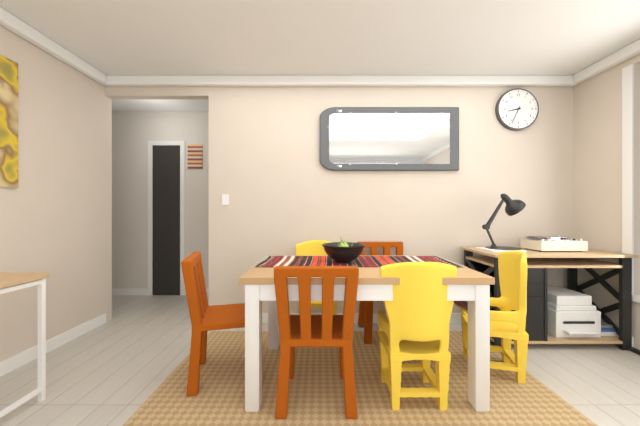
**8:34**
